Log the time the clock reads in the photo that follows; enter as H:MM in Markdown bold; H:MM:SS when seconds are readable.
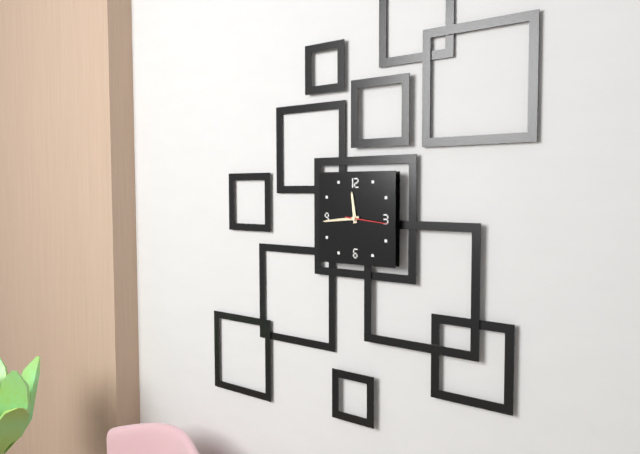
**11:44**
